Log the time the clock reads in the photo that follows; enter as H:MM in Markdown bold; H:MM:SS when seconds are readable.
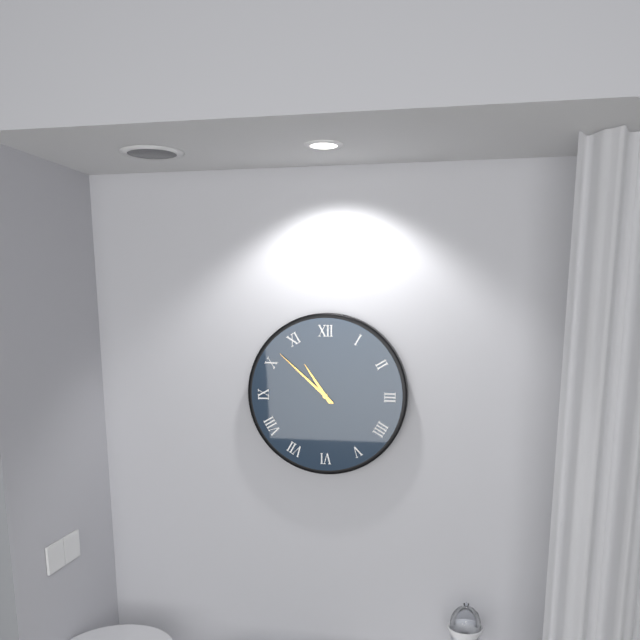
**10:52**
